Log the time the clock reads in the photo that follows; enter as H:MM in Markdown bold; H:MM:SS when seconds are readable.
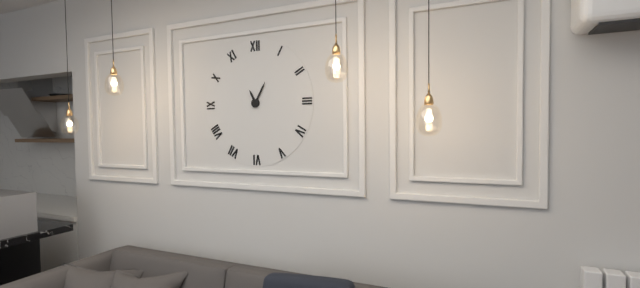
**11:05**
